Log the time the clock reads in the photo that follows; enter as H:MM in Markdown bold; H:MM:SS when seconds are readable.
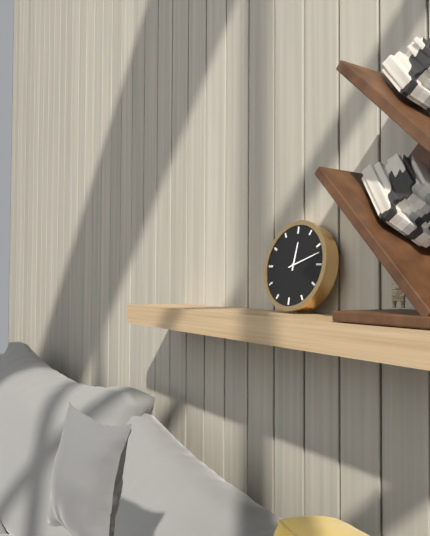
**12:12**
